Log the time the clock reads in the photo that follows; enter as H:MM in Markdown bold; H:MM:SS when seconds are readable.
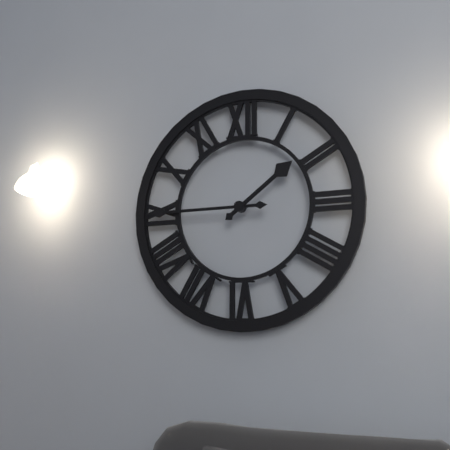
**1:45**
